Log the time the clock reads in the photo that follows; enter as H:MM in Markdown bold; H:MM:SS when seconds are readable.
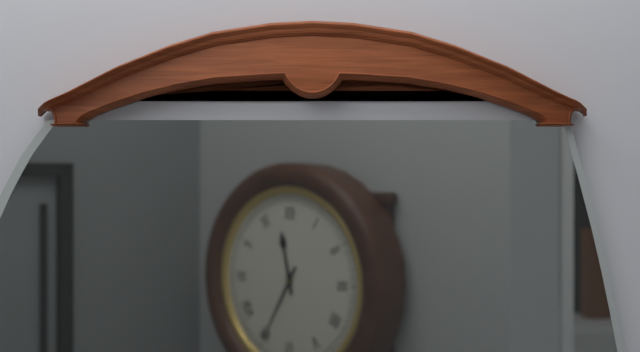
**11:35**
